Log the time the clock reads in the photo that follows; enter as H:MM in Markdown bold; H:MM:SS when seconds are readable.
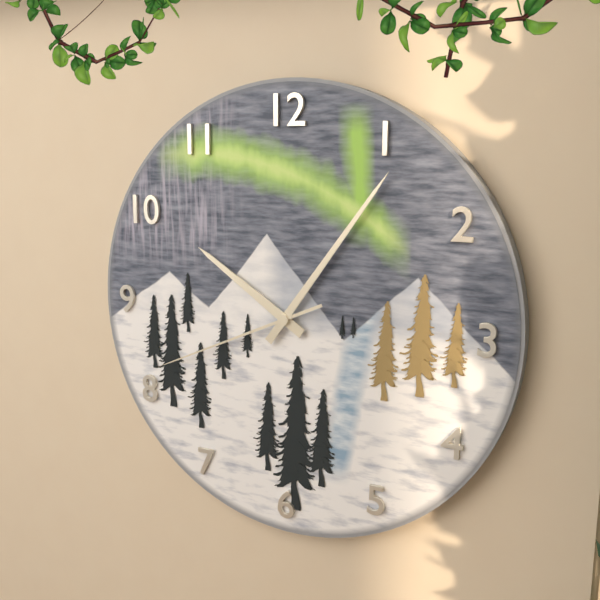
**10:06:41**
